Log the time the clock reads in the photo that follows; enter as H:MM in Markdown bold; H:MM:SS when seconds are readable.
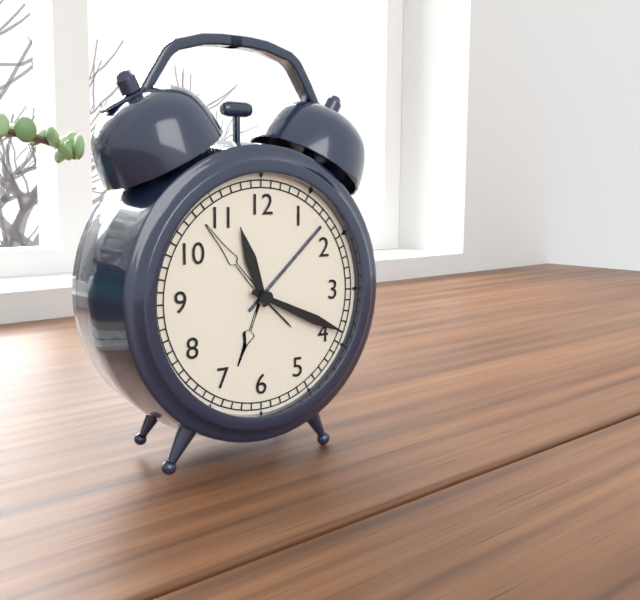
**11:19**
